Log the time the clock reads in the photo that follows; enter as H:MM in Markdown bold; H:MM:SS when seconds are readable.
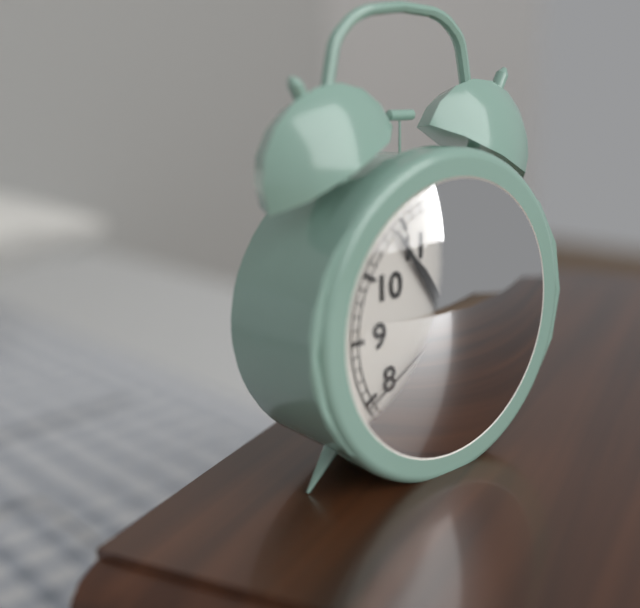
**10:54:40**
